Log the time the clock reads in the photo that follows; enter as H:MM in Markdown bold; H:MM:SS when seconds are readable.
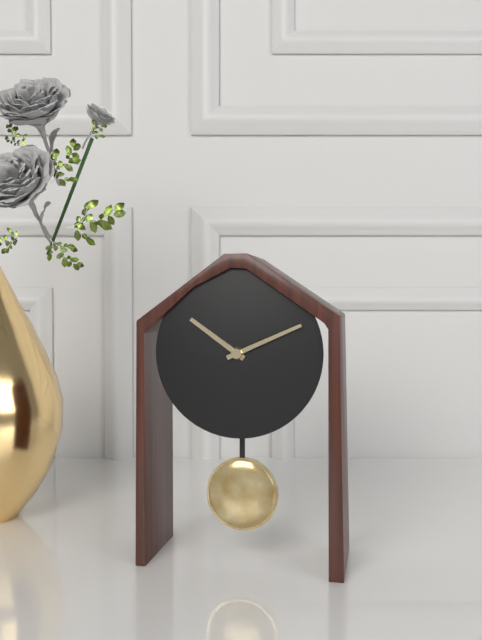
**10:11**
